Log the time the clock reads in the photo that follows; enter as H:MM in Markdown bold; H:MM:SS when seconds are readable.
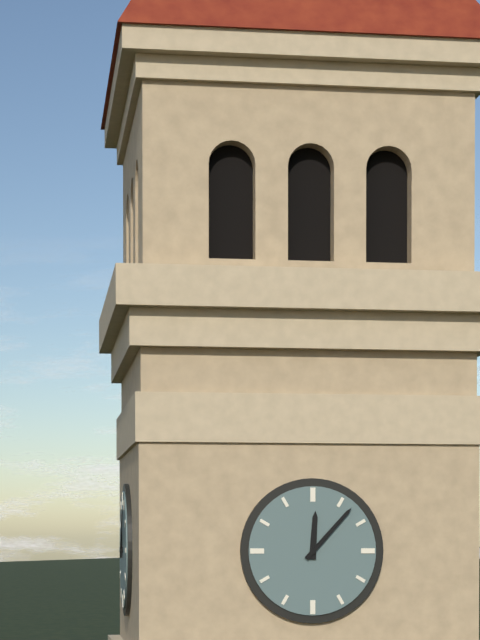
**12:07**
